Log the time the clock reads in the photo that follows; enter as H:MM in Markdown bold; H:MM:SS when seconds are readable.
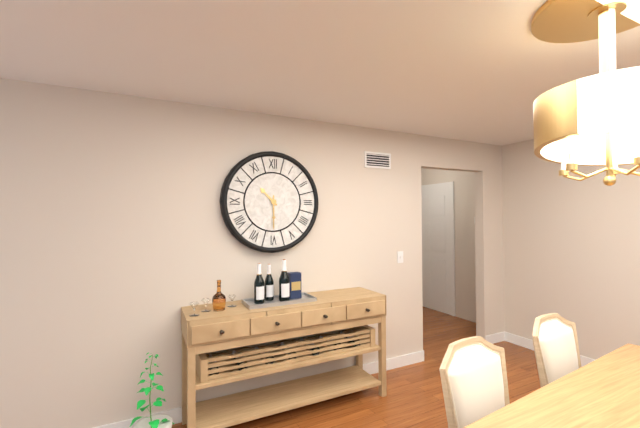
**10:30**
